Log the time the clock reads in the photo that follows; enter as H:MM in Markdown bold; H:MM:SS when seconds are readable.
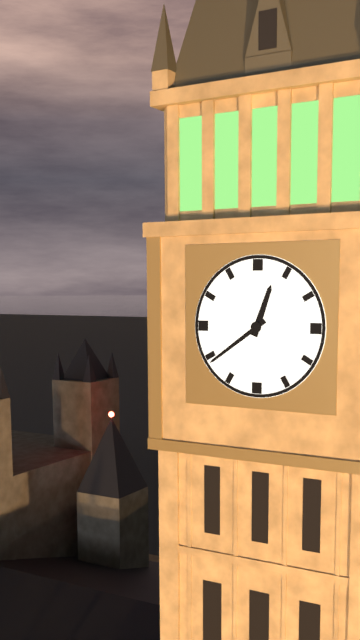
**12:39**
